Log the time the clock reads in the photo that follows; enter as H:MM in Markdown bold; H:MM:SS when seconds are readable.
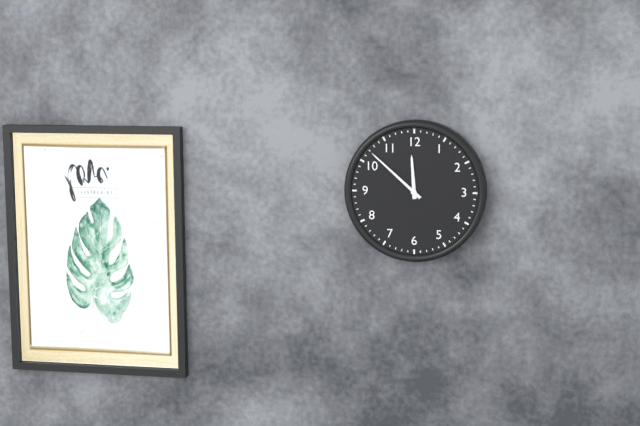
**11:52**
